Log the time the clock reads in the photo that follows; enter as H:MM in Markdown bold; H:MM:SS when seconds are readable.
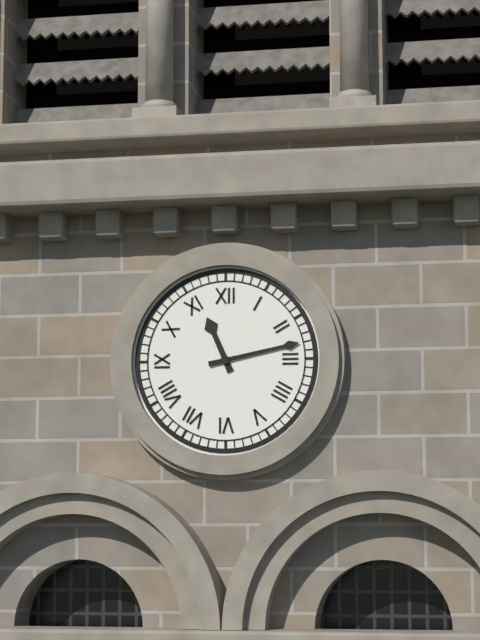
**11:13**
